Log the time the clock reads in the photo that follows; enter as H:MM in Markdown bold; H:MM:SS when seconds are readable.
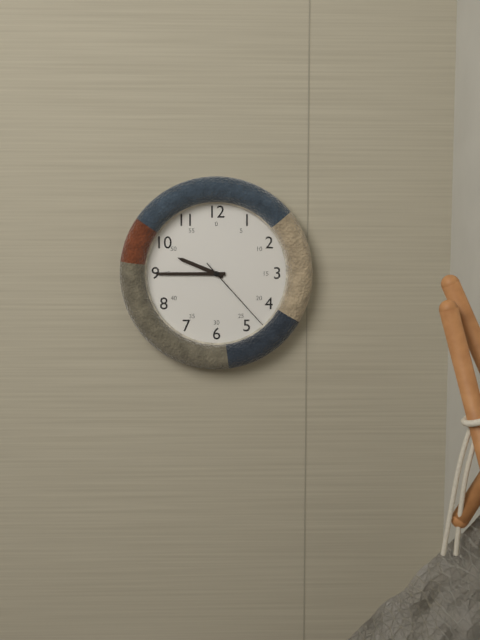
**9:45:23**
